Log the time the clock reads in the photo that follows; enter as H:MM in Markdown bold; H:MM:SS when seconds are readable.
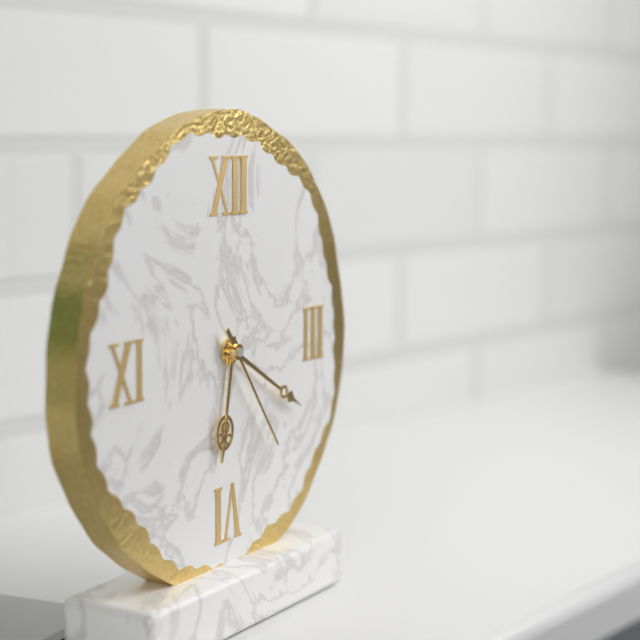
**6:20:24**
